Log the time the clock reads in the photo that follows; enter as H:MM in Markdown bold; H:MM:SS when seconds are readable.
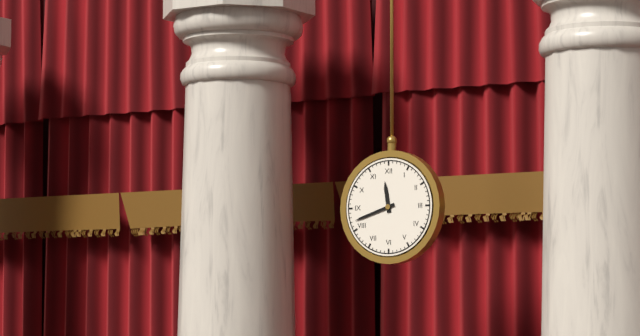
**11:42**
